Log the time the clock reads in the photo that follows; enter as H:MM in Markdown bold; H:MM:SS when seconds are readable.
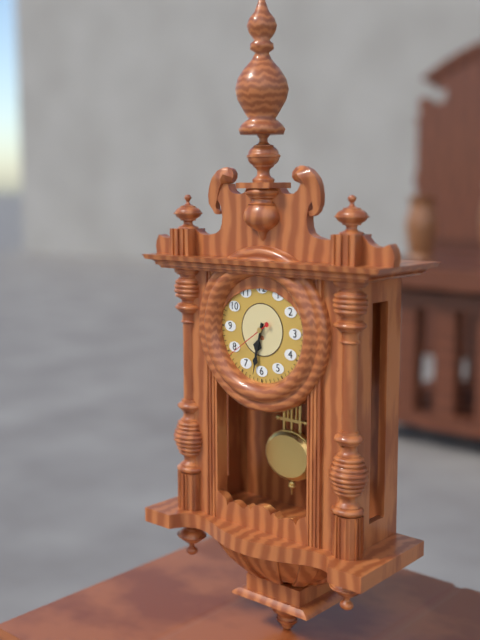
**6:32:39**
